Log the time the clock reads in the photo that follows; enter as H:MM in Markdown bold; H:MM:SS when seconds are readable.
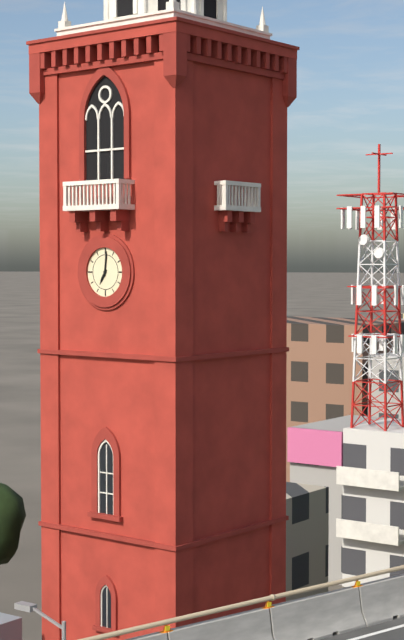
**7:01**
